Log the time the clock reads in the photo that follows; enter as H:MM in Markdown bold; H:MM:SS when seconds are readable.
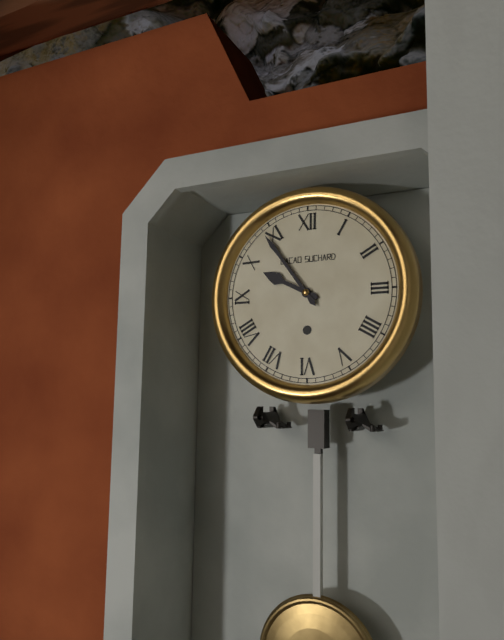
**9:54**
